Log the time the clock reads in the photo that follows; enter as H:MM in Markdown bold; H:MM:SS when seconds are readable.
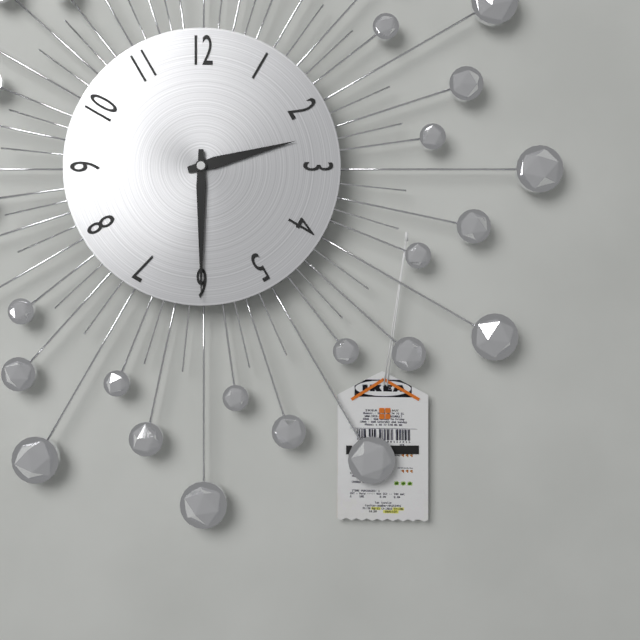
**2:30**
